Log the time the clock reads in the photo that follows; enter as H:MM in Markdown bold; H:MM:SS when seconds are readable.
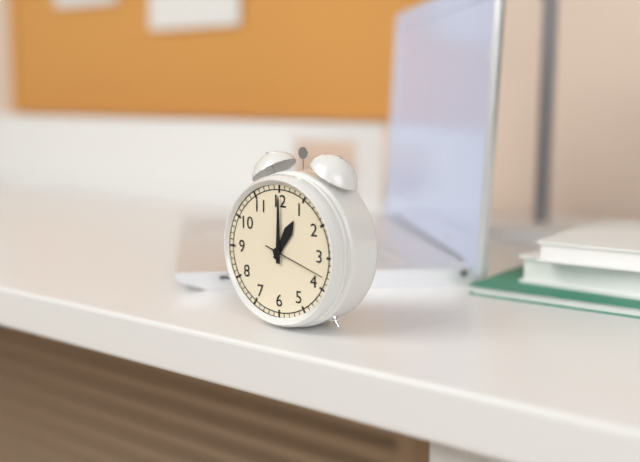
**1:00:18**
